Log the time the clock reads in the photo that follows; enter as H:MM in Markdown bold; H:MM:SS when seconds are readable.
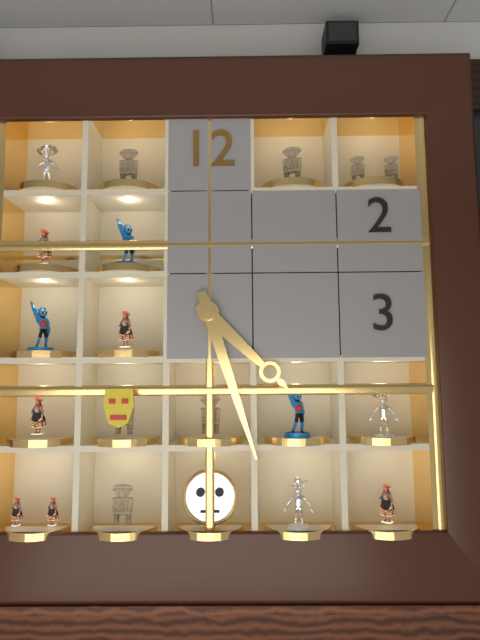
**4:27**
